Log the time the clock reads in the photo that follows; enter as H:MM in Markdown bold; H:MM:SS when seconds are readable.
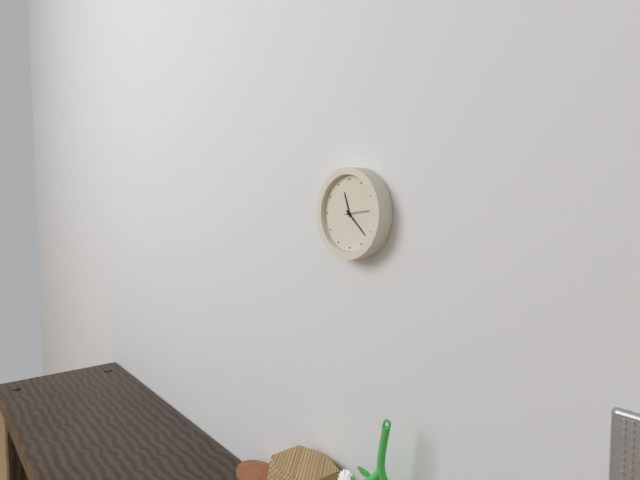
**11:22**
